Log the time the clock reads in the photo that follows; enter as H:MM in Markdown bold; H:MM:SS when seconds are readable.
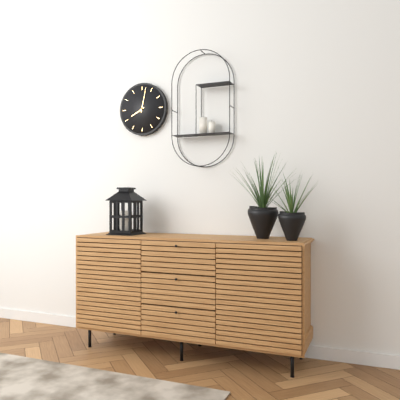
**8:02**
